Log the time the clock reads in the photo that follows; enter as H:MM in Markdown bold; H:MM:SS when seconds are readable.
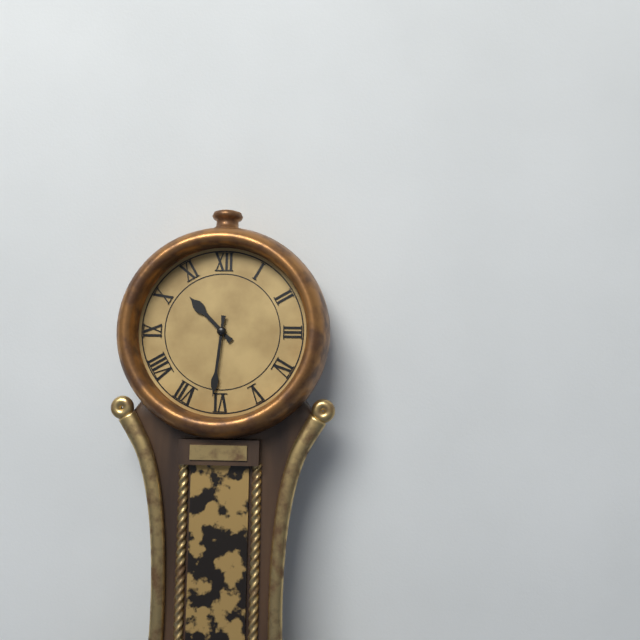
**10:31**
